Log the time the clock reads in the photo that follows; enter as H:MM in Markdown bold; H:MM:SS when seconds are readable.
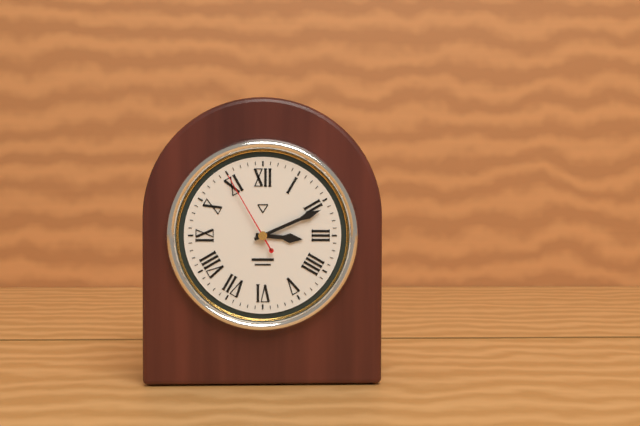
**3:11:55**
